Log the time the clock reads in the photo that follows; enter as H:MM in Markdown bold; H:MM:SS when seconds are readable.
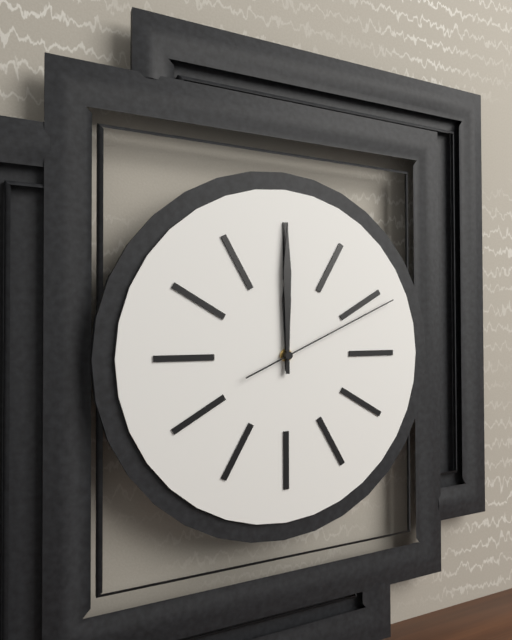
**12:00:11**
